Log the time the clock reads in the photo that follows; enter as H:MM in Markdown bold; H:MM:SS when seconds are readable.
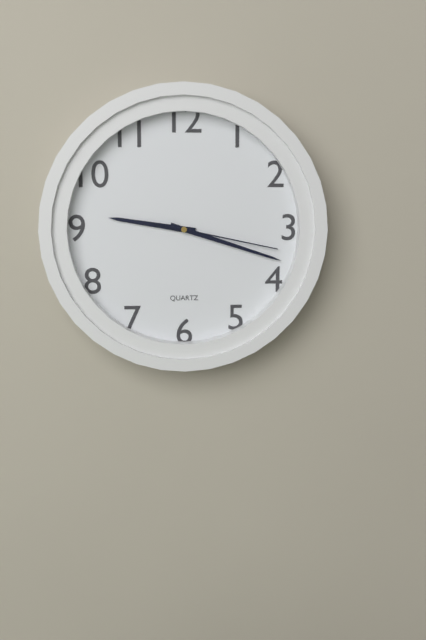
**9:18:17**
